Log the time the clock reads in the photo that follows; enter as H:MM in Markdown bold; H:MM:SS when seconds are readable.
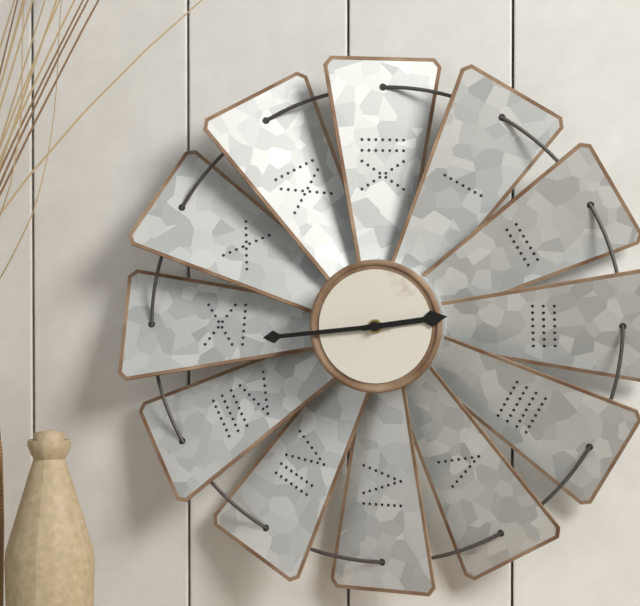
**2:44**
